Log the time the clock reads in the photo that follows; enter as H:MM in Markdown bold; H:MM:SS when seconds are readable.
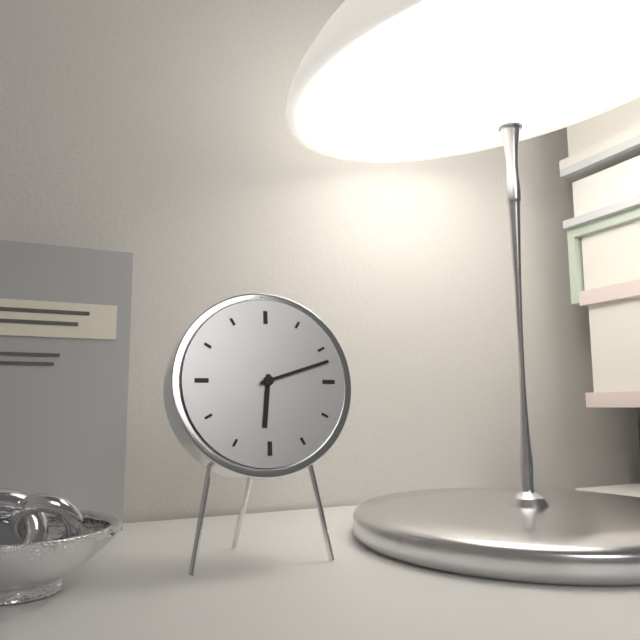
**6:12**
